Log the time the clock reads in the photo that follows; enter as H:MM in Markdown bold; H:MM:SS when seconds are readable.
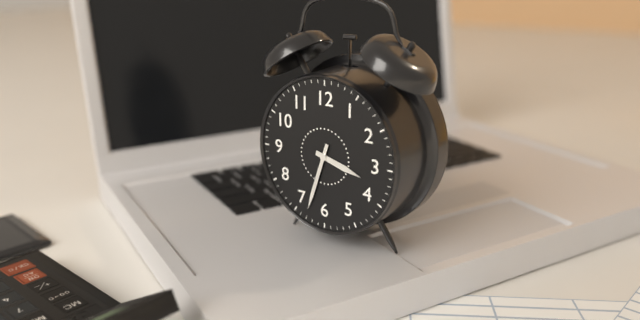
**3:33**
